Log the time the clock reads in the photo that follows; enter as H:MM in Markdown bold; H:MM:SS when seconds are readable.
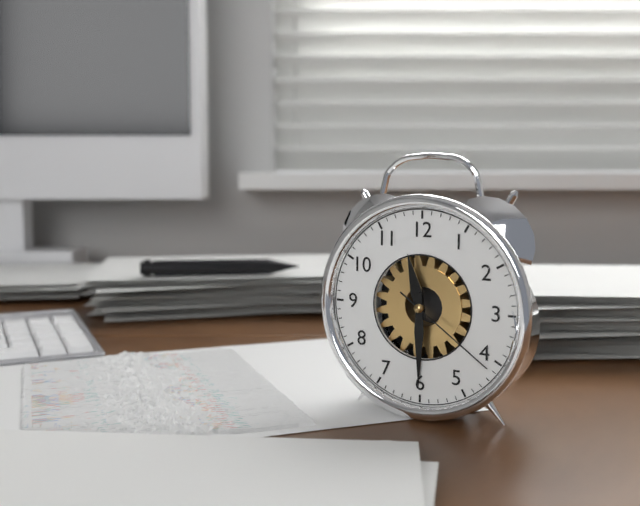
**11:30:21**
